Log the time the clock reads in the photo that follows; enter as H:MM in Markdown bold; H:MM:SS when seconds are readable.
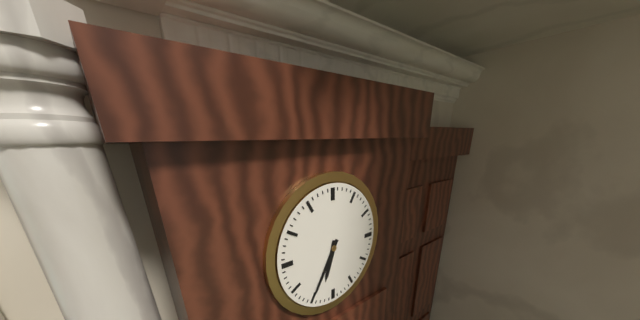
**6:35**
